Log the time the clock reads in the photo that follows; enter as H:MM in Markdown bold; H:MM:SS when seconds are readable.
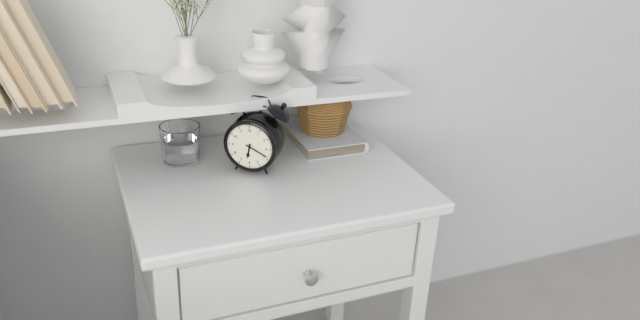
**6:19**
